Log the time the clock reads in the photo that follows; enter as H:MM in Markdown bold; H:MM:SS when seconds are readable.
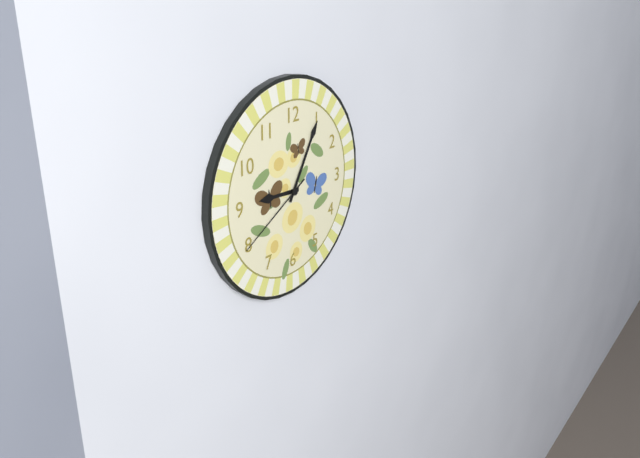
**9:05:40**
